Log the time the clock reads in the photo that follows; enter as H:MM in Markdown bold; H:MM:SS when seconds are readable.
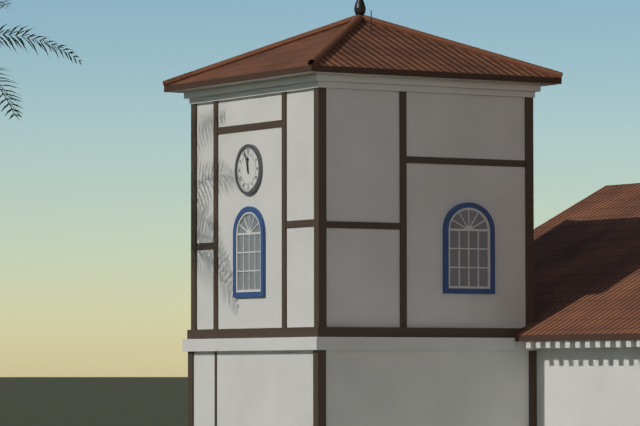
**11:57**
